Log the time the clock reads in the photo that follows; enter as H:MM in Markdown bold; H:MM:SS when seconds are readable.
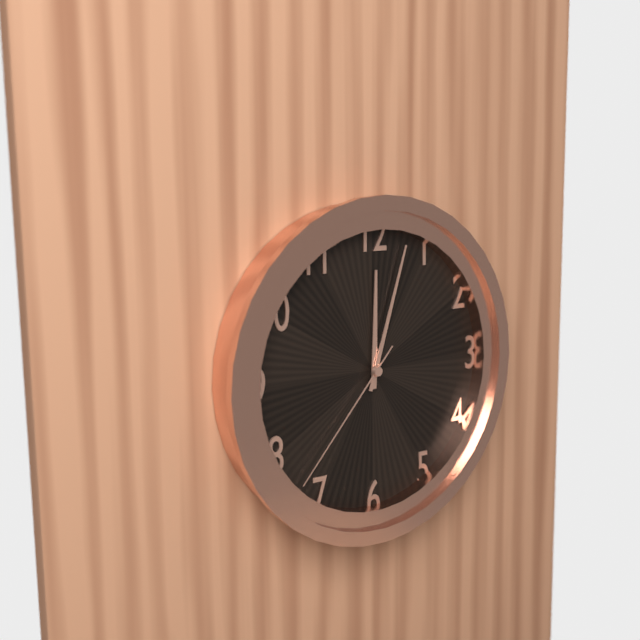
**12:03:37**
